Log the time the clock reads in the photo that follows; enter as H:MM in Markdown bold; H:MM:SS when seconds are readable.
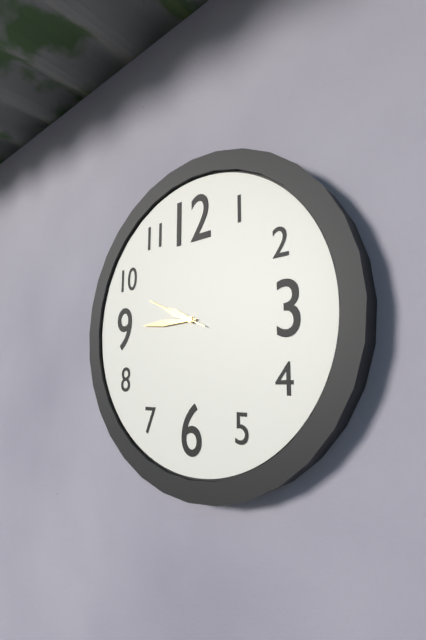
**9:45:49**
